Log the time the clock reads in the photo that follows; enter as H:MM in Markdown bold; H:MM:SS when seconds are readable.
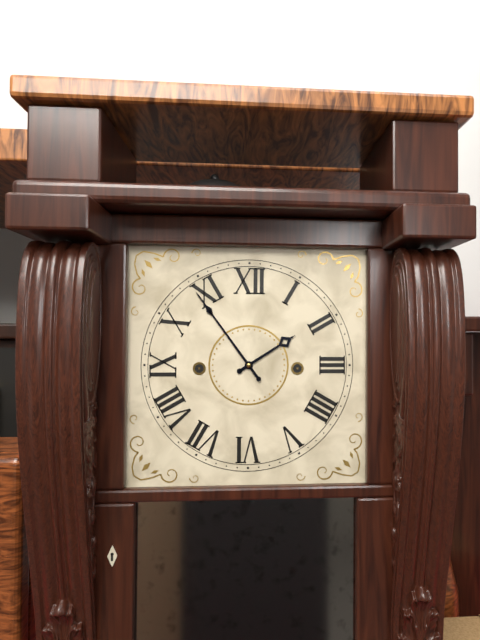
**1:54**
